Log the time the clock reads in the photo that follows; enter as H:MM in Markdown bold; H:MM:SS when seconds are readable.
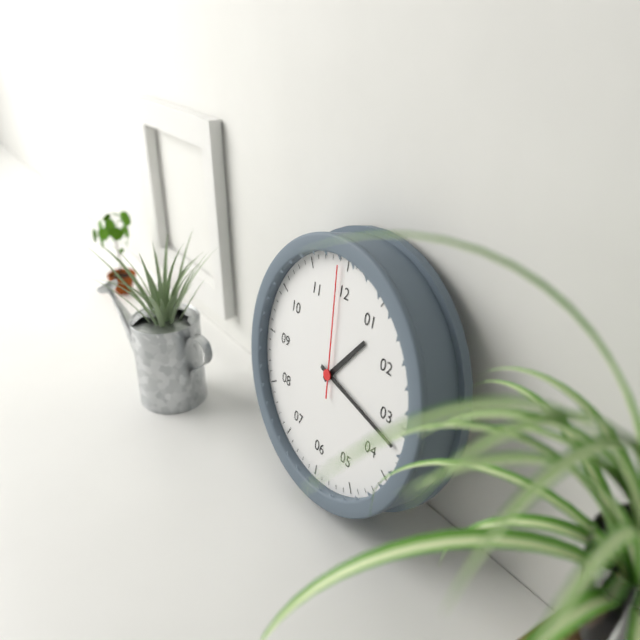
**1:17:59**
